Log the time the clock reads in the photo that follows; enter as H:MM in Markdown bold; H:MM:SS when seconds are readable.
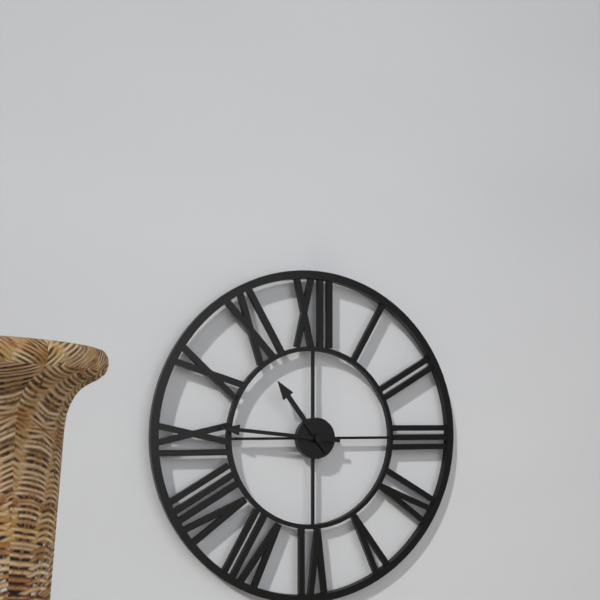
**10:46**
